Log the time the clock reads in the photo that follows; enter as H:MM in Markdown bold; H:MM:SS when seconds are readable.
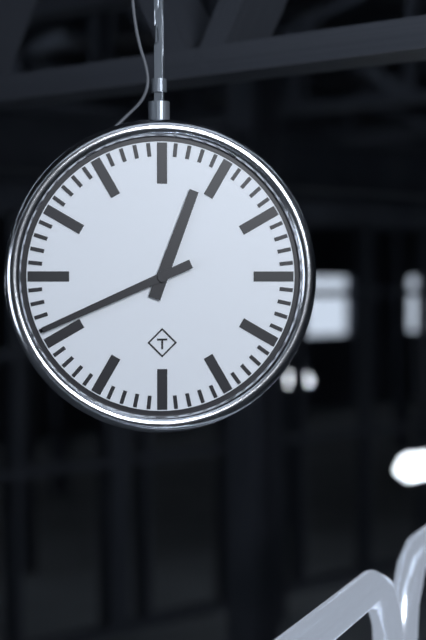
**12:41**
